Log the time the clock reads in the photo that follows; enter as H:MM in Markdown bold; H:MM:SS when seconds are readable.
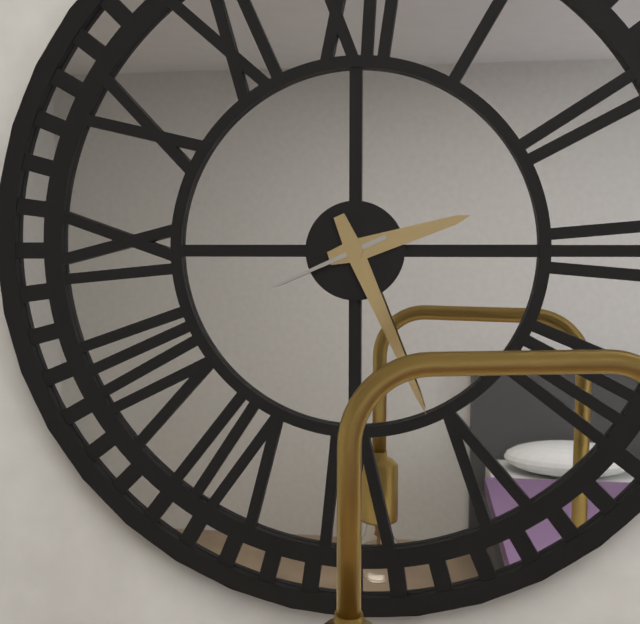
**2:26:41**
